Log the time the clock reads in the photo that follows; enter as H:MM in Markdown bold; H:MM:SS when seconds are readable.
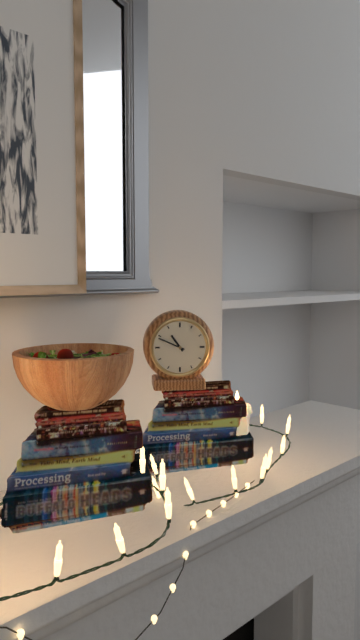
**10:49**
